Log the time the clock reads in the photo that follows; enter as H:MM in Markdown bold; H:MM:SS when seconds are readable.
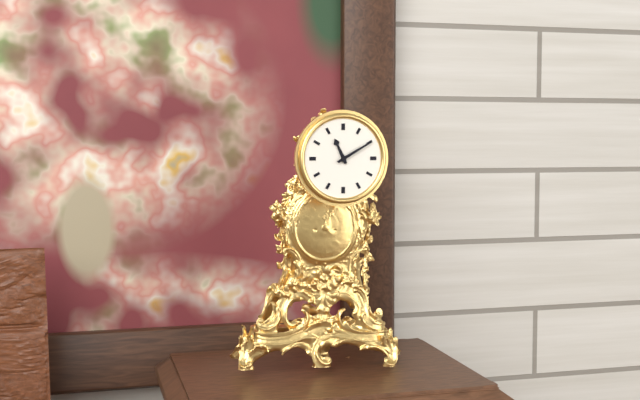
**11:10**
